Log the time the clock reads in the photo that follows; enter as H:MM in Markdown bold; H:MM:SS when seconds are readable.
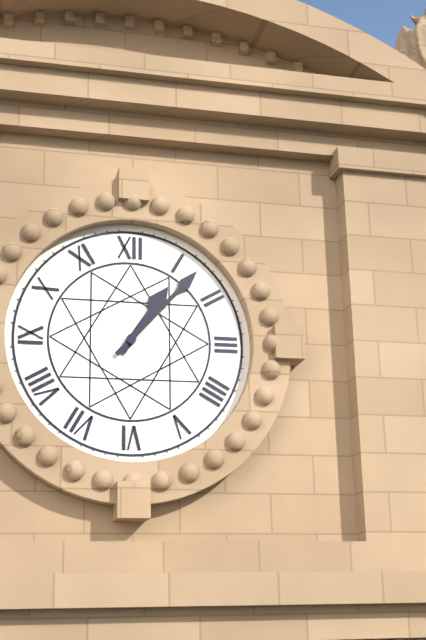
**1:07**
